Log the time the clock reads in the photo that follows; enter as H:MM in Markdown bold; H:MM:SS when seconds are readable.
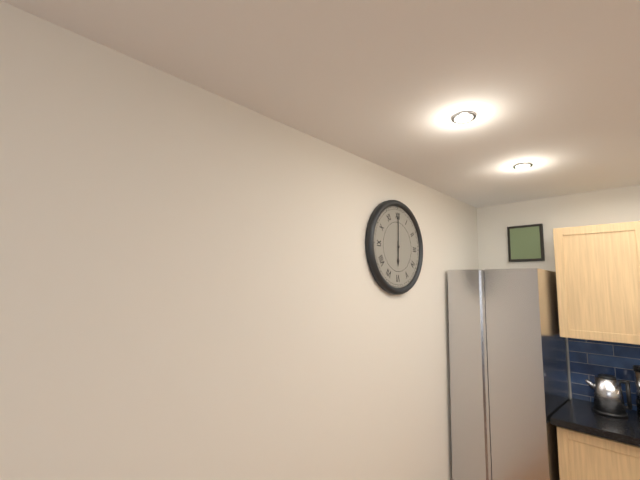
**6:00**
